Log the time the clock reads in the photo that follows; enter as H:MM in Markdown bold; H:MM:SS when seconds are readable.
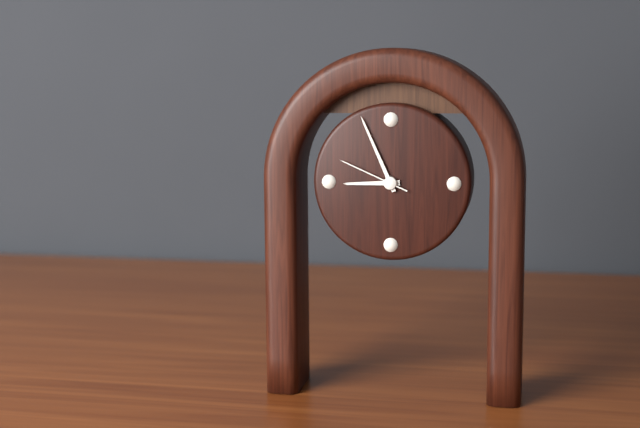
**8:56:49**
